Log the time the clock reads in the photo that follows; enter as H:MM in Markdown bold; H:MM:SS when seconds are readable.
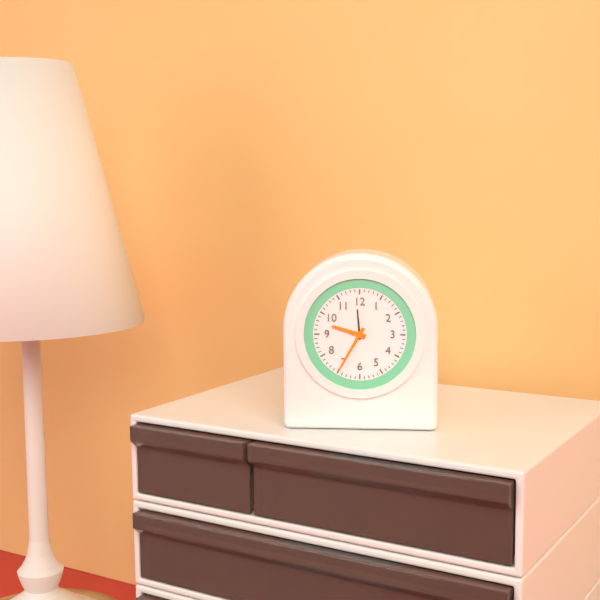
**9:35**
